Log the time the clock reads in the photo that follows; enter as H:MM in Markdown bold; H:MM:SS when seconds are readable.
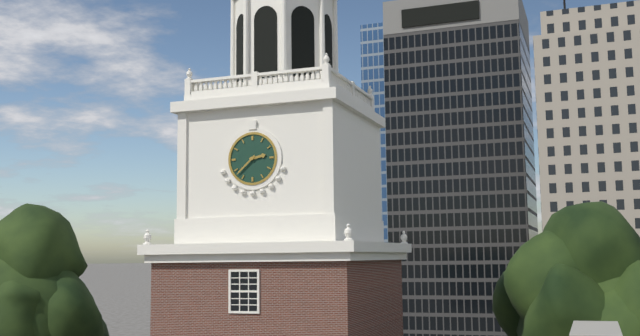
**2:38**
